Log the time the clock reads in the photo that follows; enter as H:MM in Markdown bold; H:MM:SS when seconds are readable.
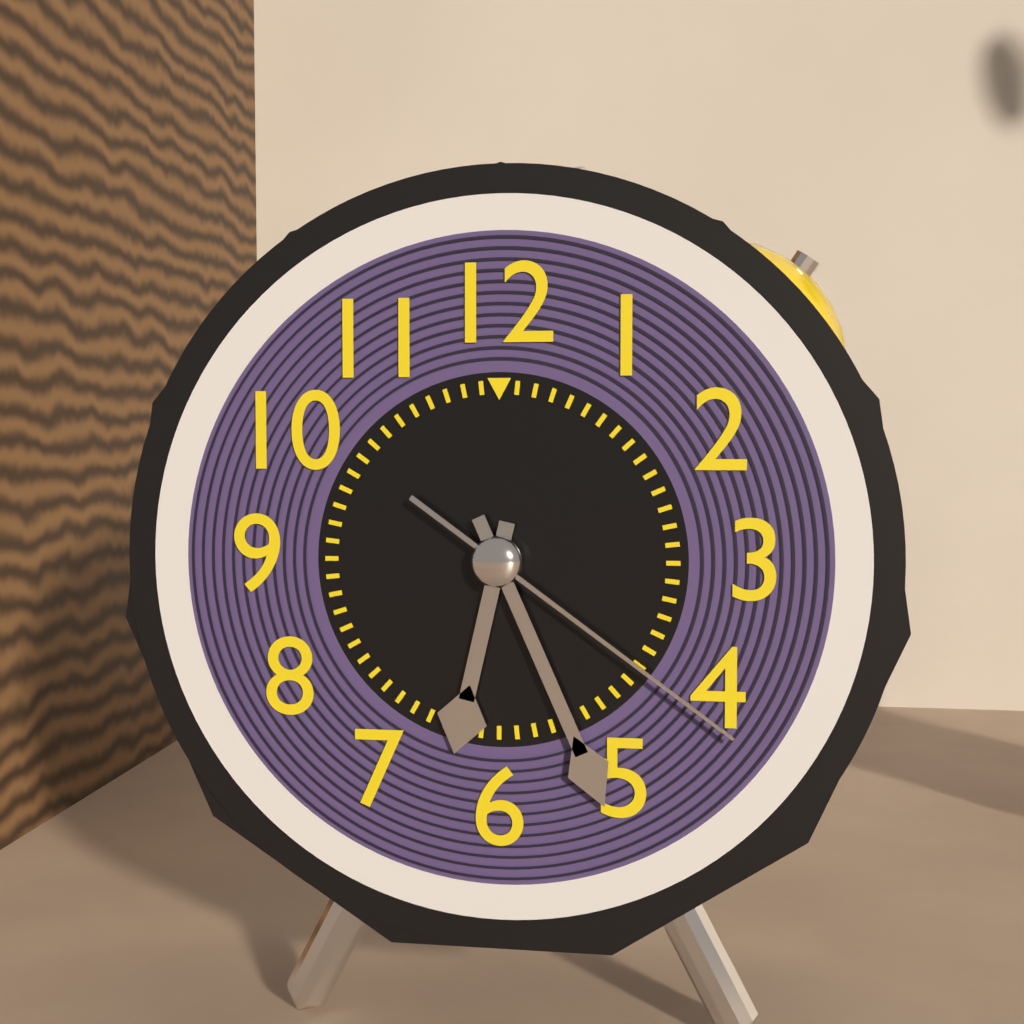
**6:26:21**
